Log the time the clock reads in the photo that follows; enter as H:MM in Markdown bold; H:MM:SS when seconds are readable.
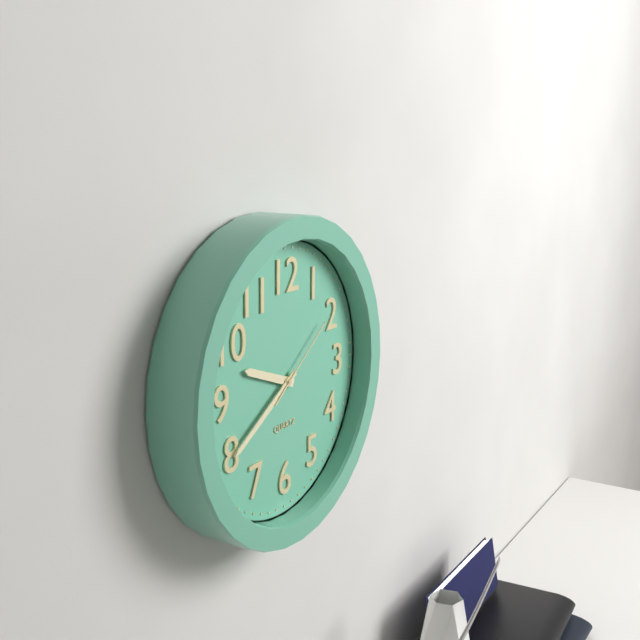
**9:40:09**
